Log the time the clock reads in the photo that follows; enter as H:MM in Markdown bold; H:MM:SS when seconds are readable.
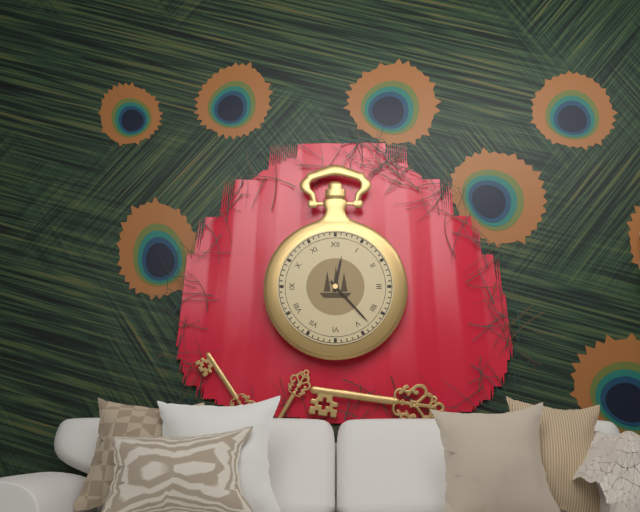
**12:23**
